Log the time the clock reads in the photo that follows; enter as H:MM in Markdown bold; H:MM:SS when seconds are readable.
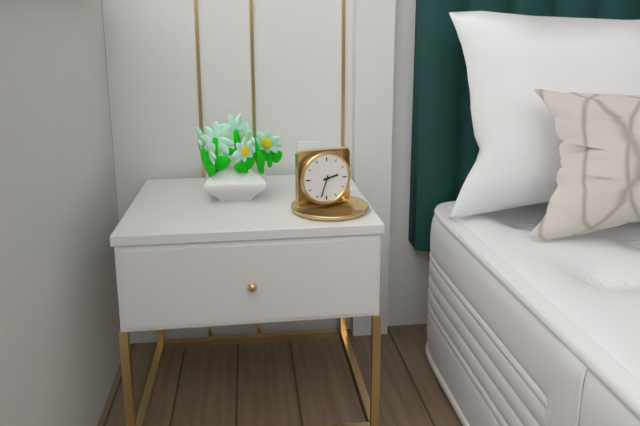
**2:33**
